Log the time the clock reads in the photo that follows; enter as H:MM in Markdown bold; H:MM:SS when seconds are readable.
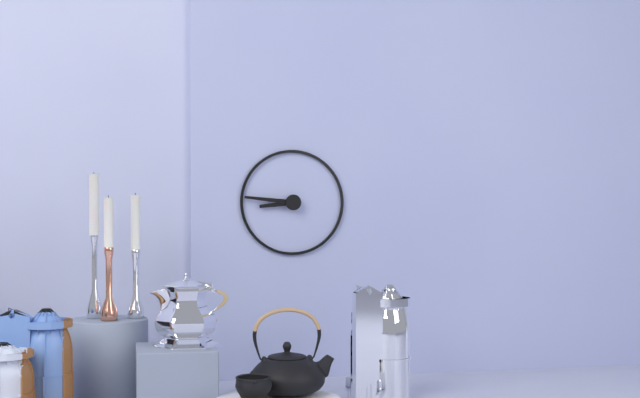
**8:46**
